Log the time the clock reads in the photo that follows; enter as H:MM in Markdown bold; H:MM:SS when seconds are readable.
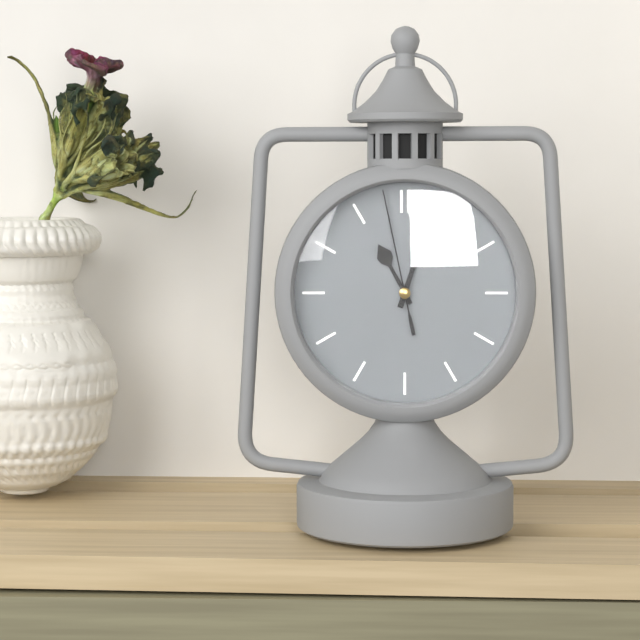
**11:03:58**
